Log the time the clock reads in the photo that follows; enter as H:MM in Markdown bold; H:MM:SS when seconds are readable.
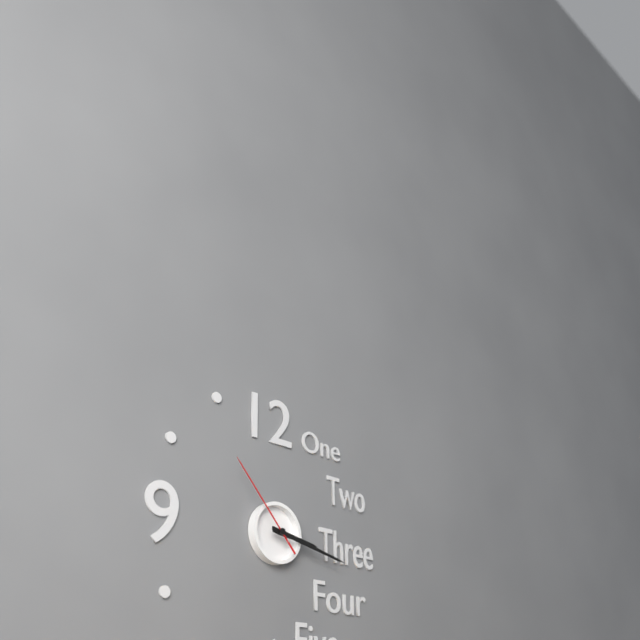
**3:17:53**
